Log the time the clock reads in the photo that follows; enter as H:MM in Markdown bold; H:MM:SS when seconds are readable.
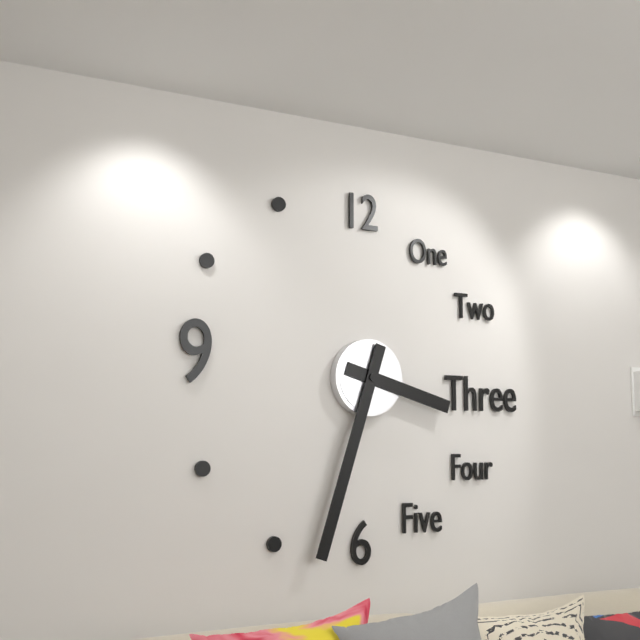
**3:33**
